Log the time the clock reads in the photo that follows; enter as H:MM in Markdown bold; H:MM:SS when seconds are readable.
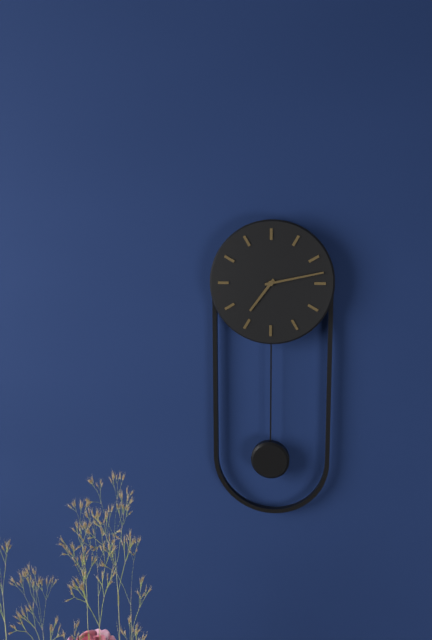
**7:13**
